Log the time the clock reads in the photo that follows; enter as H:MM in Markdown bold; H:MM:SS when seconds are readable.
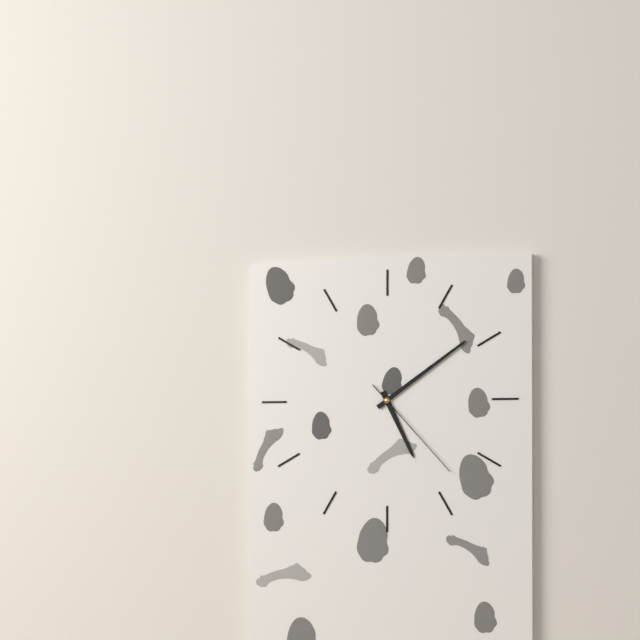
**5:09:23**
